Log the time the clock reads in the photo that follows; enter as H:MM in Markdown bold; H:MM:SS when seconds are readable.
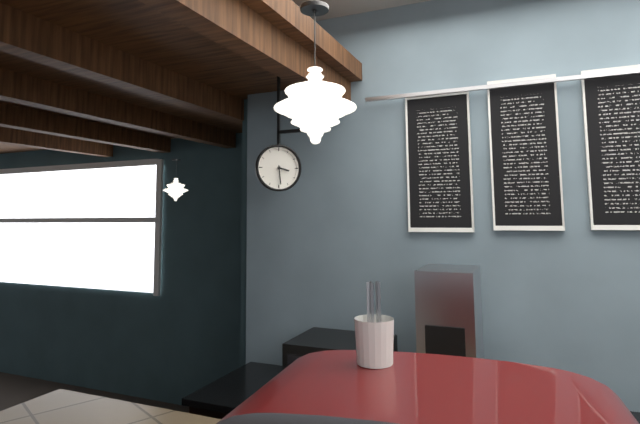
**3:29**
